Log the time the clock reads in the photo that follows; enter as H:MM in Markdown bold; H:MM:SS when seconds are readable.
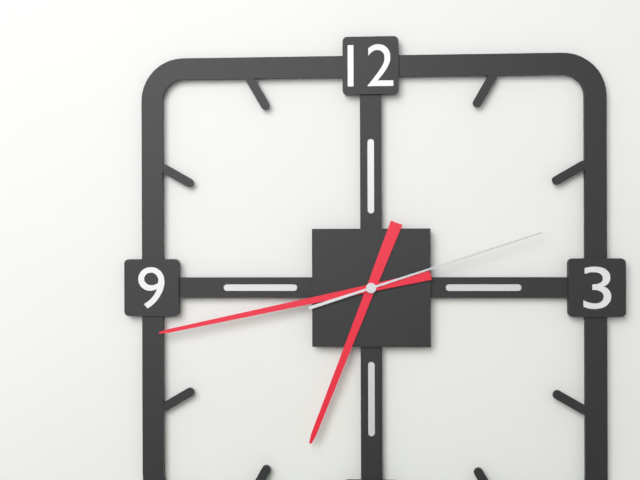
**6:43:12**
